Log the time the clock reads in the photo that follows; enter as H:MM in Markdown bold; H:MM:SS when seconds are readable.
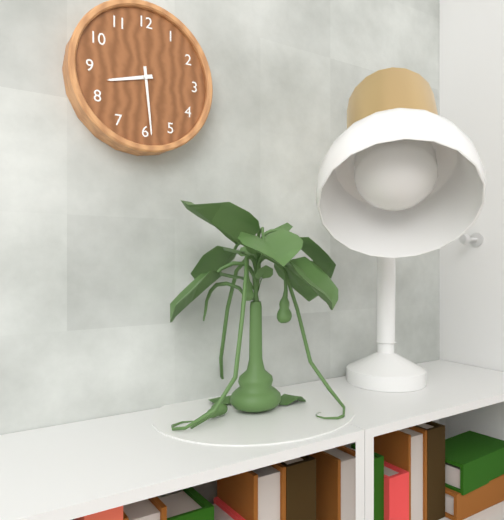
**8:29**
